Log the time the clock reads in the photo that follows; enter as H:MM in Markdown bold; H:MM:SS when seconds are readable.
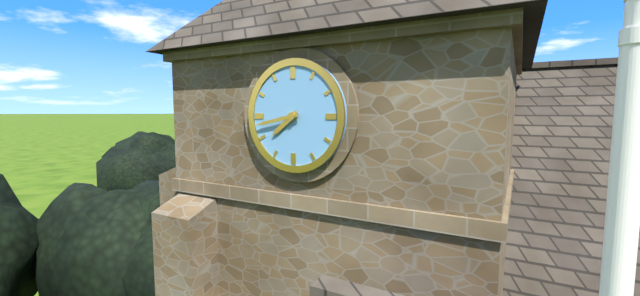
**7:43**
